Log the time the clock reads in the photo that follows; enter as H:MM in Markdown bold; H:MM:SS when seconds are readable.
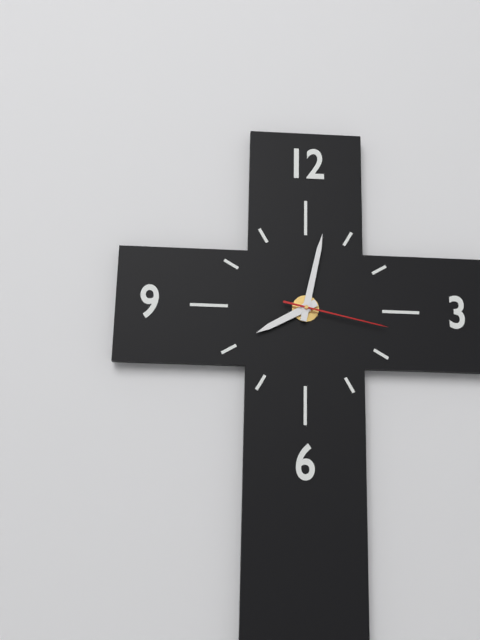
**8:02:17**
